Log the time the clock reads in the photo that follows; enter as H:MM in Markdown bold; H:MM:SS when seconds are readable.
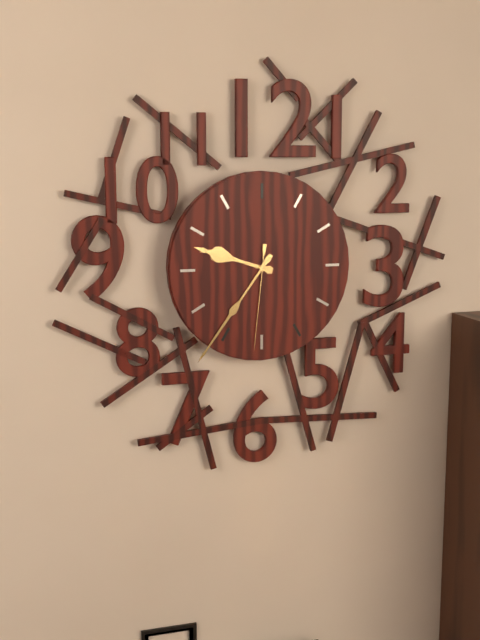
**9:36:31**
